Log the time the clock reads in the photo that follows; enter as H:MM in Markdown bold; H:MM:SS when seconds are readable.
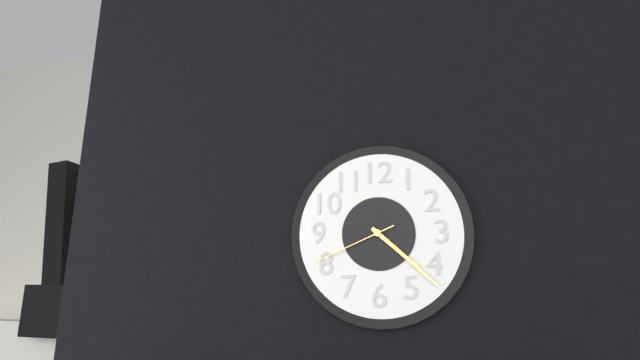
**4:22:41**
